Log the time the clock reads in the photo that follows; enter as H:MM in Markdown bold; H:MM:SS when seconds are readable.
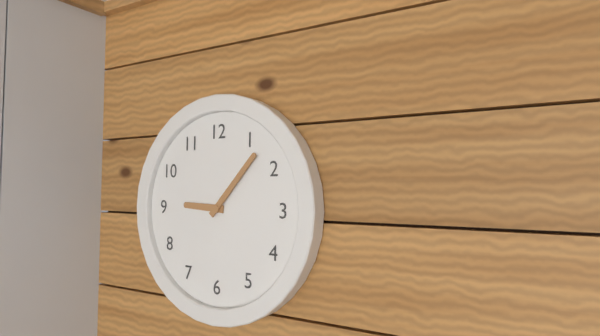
**9:07**
